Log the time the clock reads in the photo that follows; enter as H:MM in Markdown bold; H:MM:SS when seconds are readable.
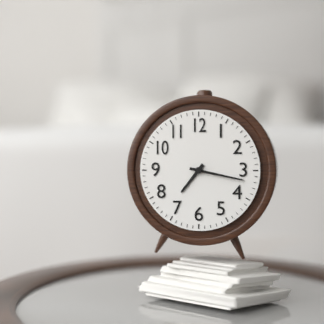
**7:17**
